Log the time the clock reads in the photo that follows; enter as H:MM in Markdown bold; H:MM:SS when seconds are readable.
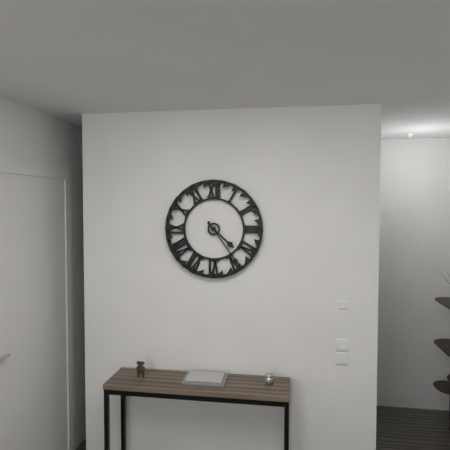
**4:24**
